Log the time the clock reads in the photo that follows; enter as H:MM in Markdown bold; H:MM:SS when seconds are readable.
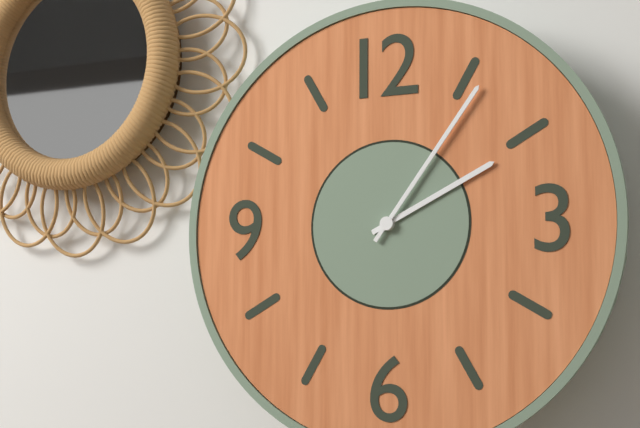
**2:06**
